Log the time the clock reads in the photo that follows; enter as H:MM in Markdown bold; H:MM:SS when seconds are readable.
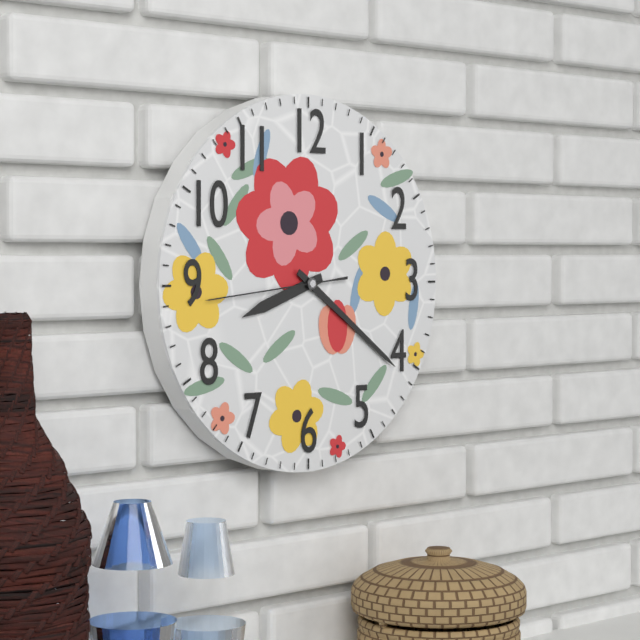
**8:21:44**
